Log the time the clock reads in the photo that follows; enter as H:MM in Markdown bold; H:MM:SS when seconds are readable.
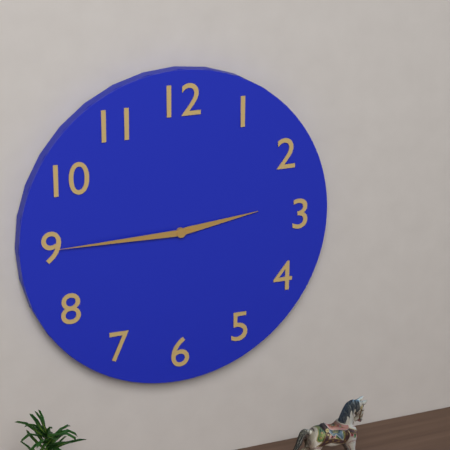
**2:45**
